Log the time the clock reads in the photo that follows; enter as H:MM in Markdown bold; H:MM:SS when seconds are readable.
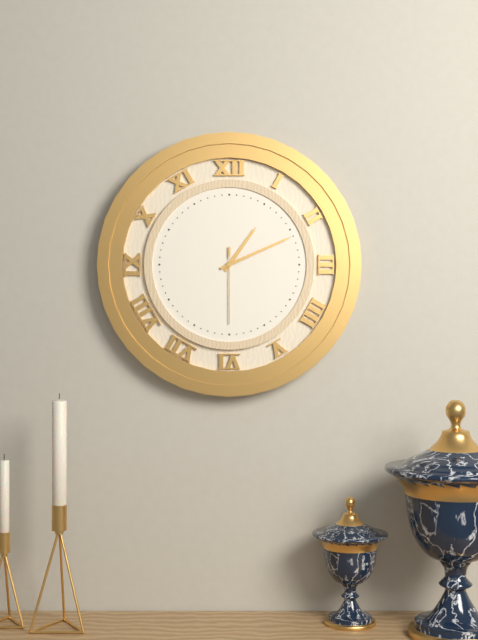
**1:11:30**
